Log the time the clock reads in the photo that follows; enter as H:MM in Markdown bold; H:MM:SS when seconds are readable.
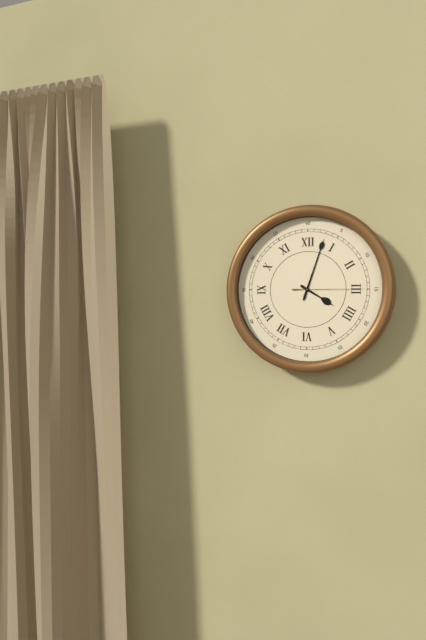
**4:03:15**
